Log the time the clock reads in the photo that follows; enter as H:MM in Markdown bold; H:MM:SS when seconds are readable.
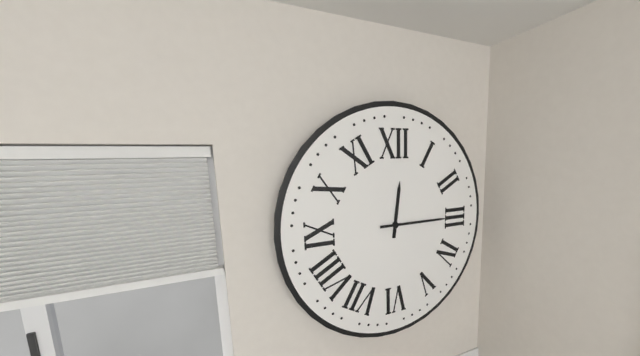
**12:15**
